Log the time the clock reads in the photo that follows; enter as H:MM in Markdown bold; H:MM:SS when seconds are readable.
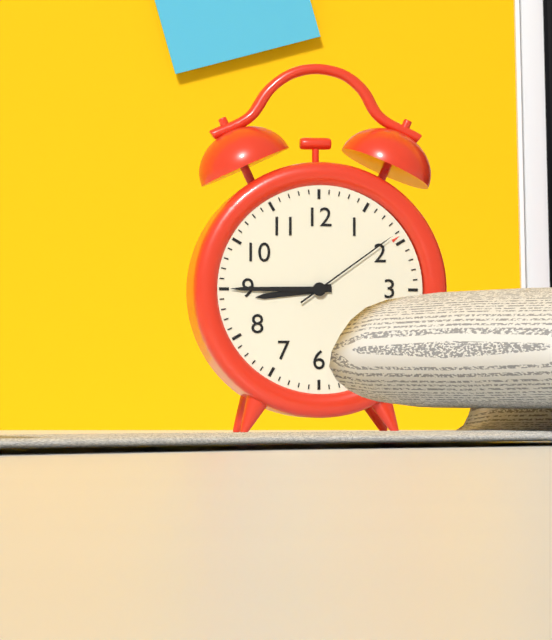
**8:45:09**
